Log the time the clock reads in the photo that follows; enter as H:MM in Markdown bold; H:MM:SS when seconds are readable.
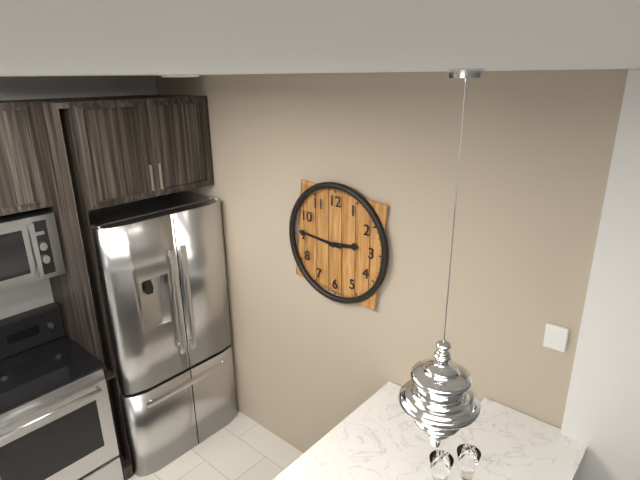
**2:46**
